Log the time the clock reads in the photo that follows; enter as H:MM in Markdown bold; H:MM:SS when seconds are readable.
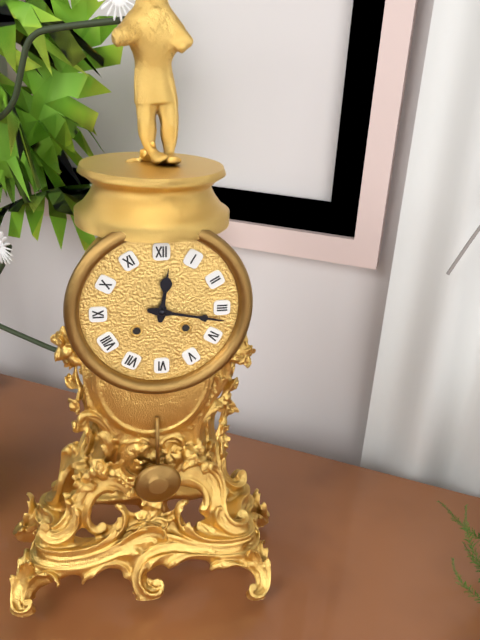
**12:17**
